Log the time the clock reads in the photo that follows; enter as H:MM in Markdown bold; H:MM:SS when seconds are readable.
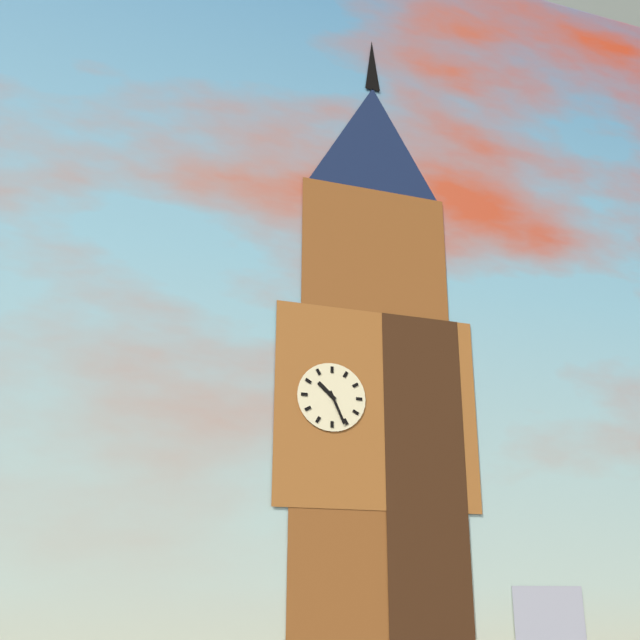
**10:26**
